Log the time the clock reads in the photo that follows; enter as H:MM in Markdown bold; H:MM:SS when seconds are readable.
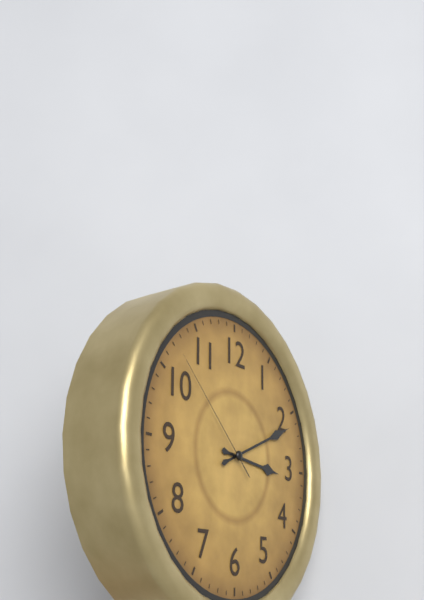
**3:11:52**
